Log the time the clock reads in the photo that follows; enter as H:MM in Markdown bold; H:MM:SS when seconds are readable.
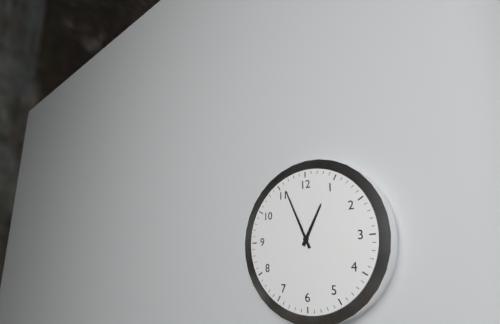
**12:56**
